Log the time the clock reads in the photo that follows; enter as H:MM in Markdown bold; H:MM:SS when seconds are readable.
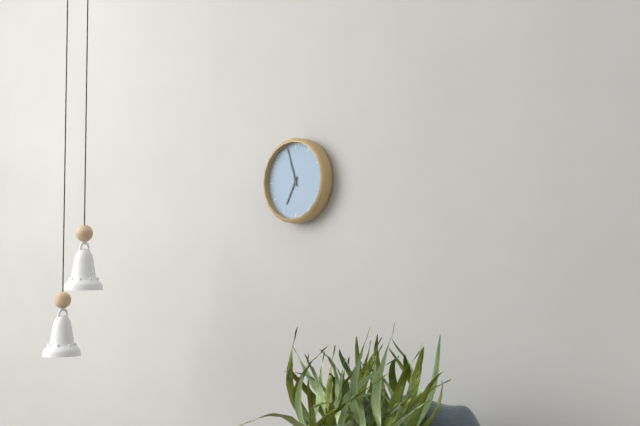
**6:57**
